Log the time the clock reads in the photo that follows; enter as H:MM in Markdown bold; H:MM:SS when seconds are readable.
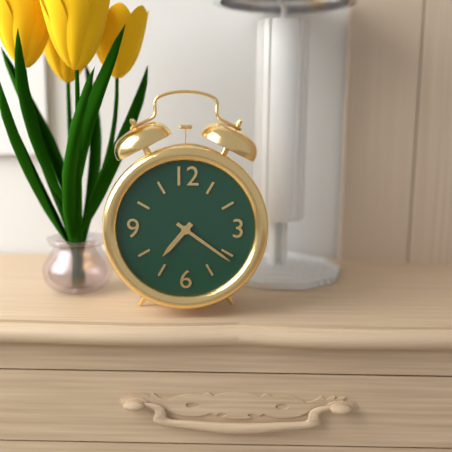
**7:21**
